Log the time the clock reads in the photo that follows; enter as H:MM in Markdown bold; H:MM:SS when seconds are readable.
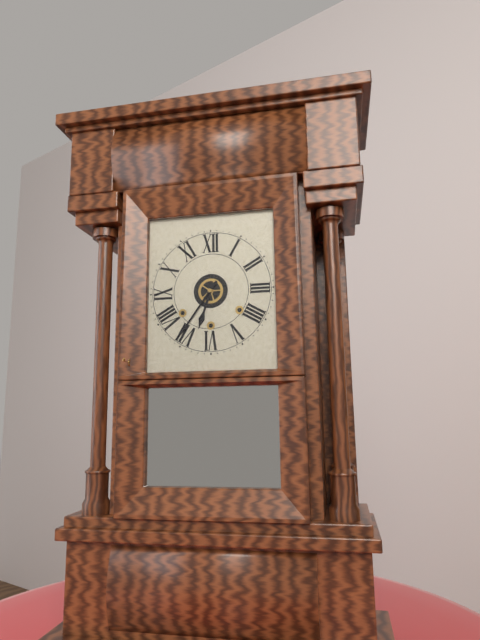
**6:36**
